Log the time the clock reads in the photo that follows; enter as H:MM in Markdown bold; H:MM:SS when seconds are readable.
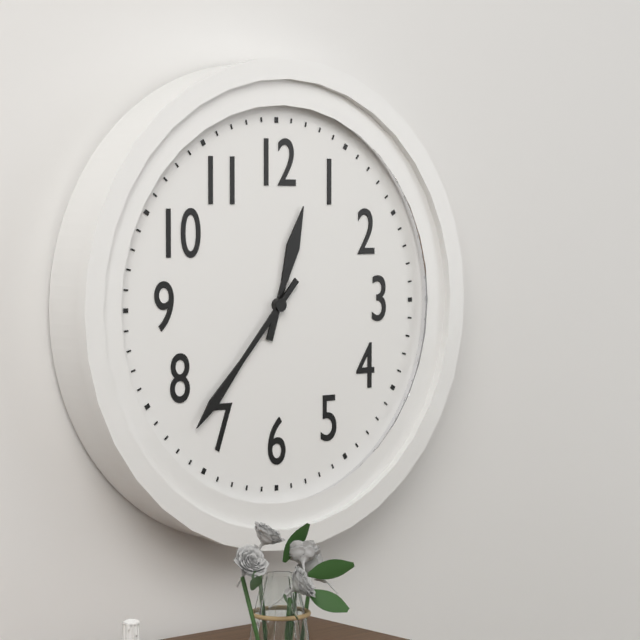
**12:37**
